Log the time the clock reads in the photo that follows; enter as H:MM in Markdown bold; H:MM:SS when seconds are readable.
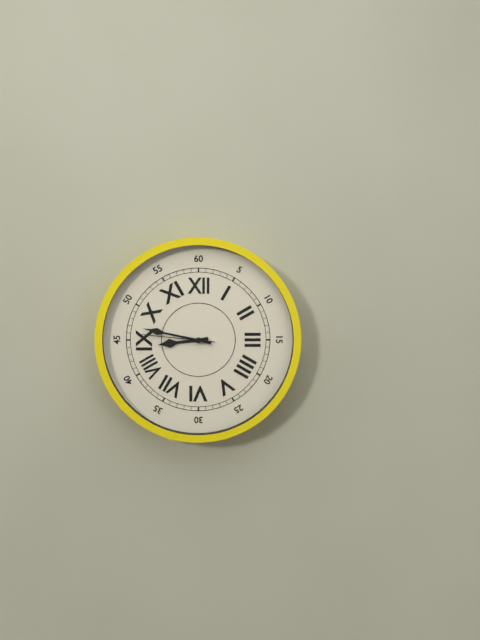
**8:47:46**
